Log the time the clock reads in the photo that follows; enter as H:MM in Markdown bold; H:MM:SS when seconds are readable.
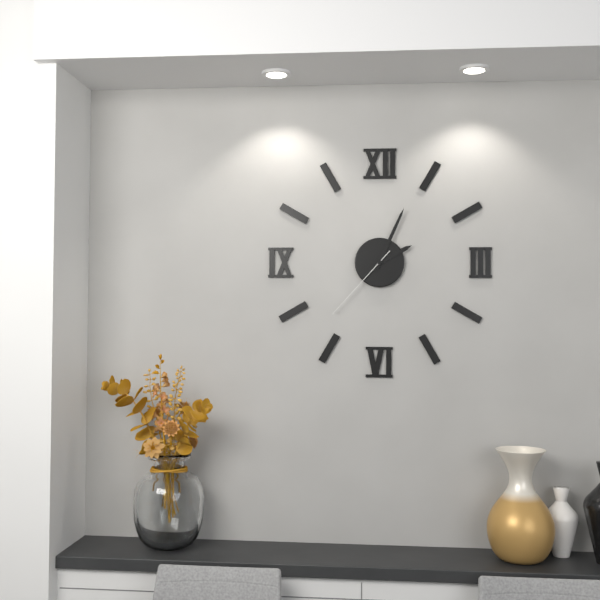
**2:04:37**
